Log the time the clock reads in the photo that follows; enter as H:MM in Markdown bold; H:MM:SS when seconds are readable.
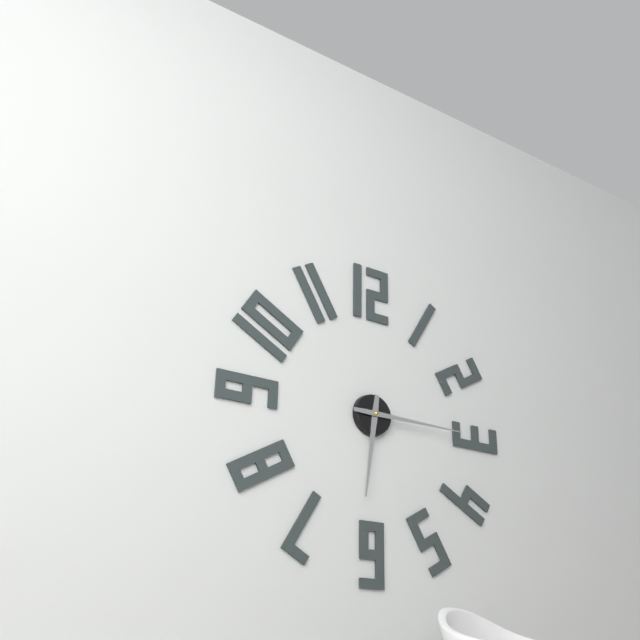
**6:15**
